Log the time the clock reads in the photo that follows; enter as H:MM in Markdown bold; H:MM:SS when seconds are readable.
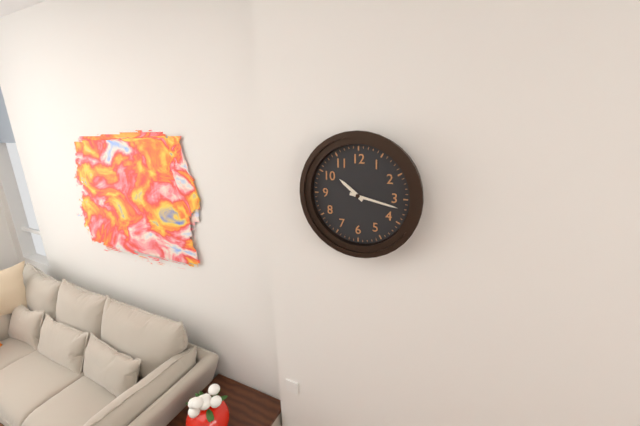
**10:17**
